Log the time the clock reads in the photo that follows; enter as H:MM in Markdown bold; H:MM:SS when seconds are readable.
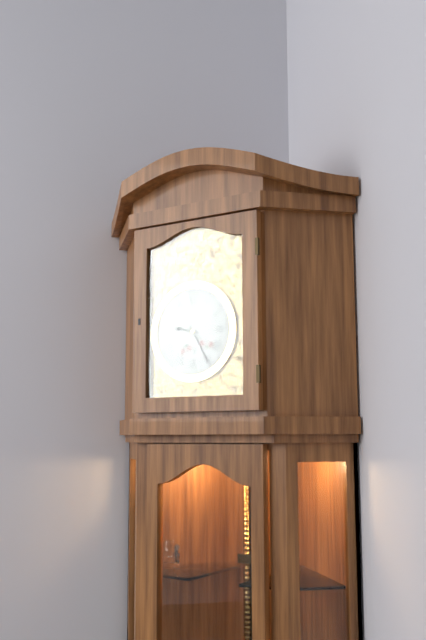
**9:25**
